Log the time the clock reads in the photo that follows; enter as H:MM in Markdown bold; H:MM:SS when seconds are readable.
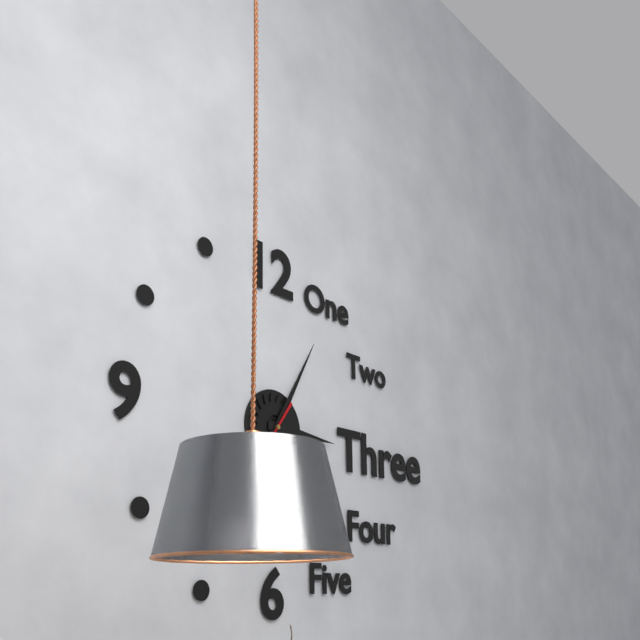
**3:05**
